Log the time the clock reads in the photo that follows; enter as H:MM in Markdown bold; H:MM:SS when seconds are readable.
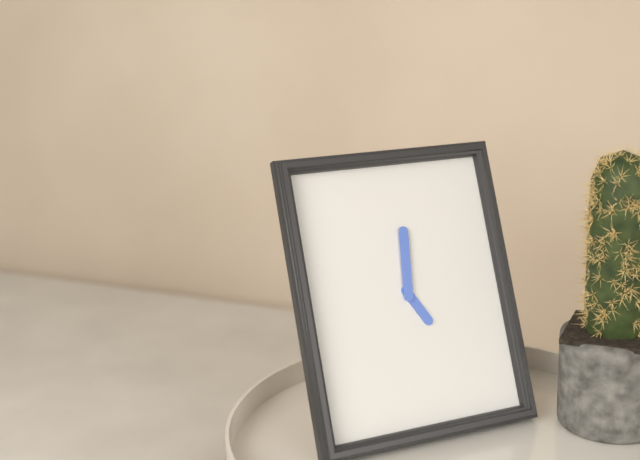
**5:01**
